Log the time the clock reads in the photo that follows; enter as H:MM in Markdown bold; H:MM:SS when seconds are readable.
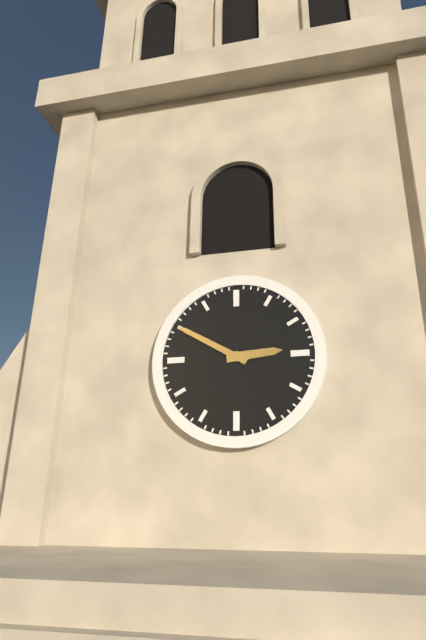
**2:50**
